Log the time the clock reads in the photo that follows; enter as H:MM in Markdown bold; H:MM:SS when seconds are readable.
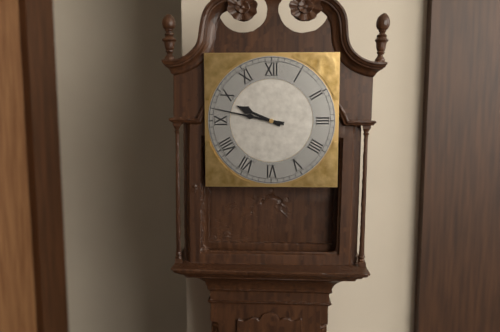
**9:47**
